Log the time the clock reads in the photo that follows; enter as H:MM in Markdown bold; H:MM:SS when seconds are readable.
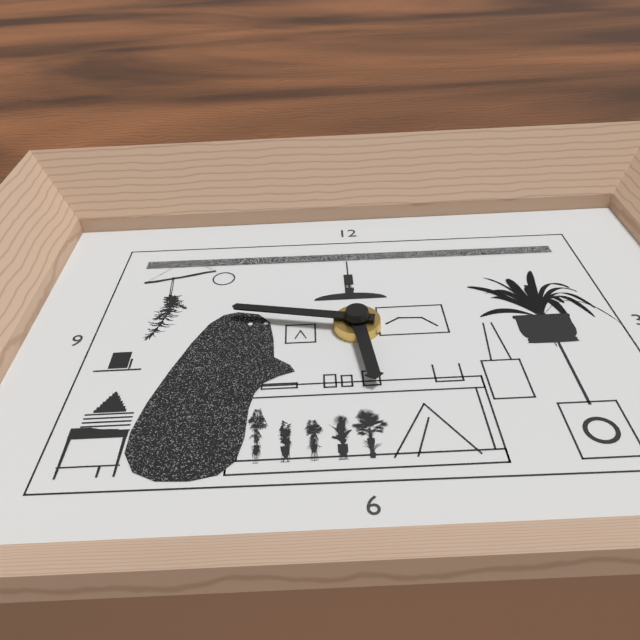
**5:47**
